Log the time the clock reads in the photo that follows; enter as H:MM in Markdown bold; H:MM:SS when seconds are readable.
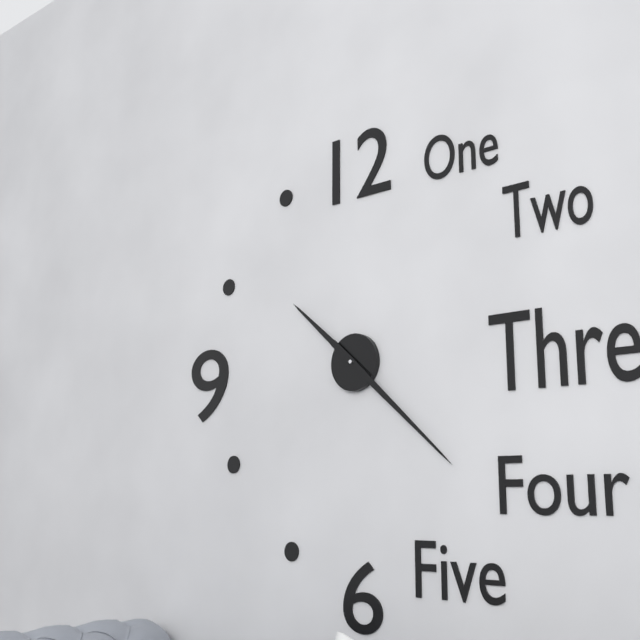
**10:22**
